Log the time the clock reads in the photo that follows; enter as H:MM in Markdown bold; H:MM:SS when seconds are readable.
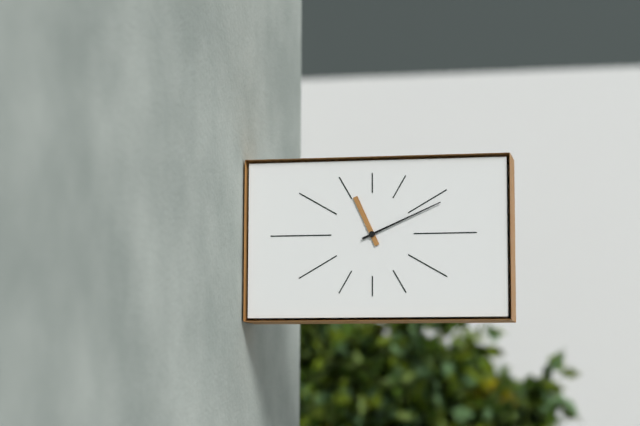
**11:11**
